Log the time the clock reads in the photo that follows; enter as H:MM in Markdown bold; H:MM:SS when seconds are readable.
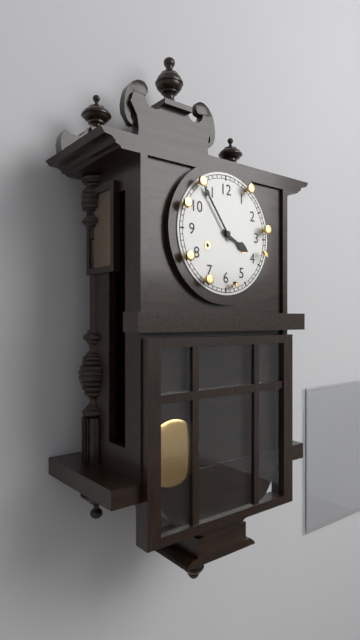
**3:54**
